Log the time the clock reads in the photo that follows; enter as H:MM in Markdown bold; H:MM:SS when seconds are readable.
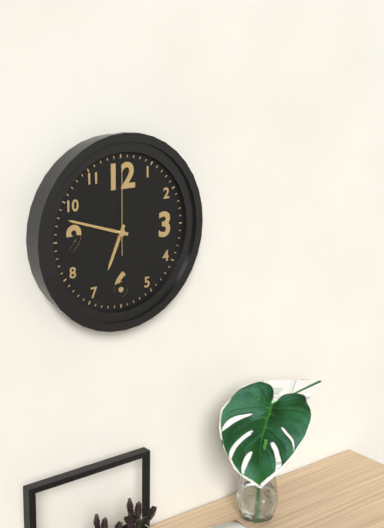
**6:48:00**
